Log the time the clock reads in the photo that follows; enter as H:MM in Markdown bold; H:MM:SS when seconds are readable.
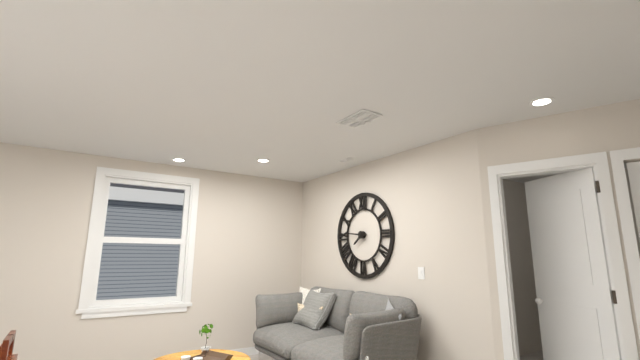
**7:46**
